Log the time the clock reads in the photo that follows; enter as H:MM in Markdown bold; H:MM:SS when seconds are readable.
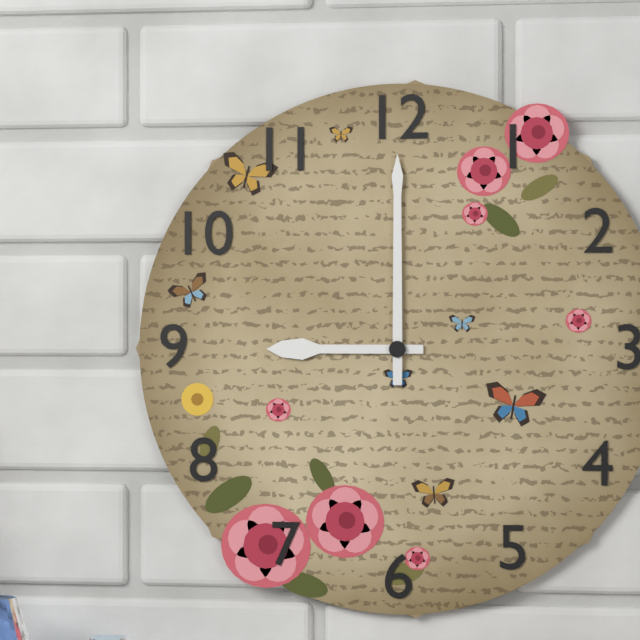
**9:00**
